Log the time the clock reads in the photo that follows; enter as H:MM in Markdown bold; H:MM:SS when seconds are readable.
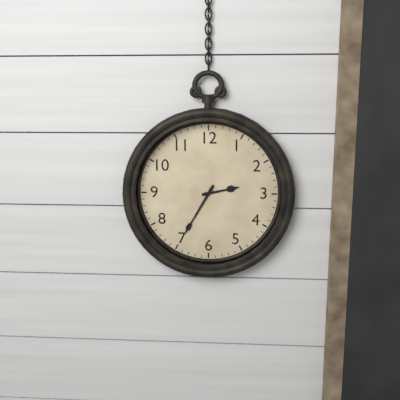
**2:35**
